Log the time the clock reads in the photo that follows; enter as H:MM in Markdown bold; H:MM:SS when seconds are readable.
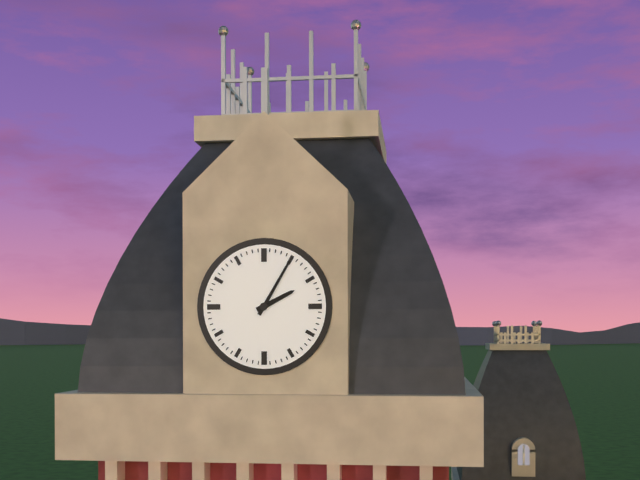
**2:05**
